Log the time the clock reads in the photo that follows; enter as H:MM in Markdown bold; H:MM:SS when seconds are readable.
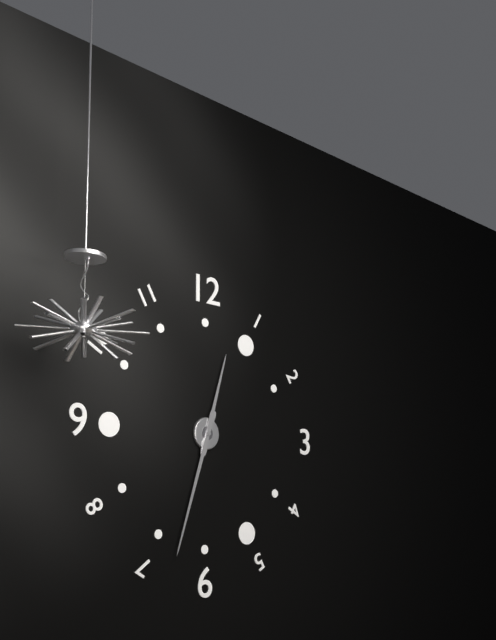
**12:33**
